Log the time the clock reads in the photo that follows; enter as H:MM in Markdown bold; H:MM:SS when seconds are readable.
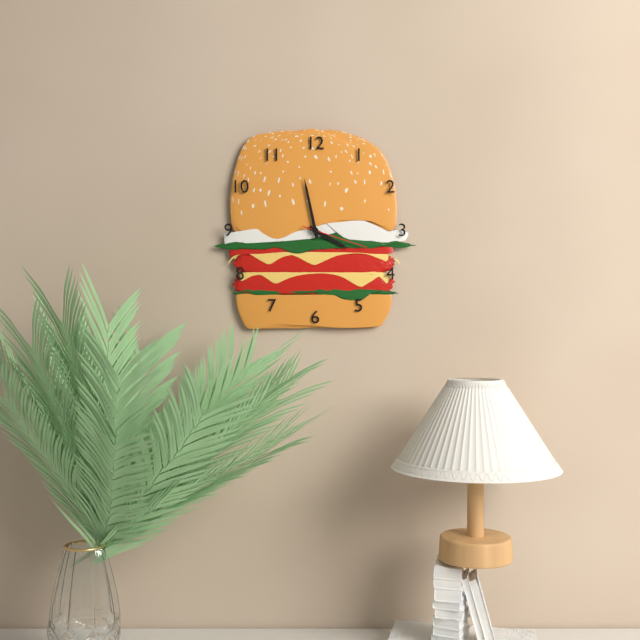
**3:58:18**
